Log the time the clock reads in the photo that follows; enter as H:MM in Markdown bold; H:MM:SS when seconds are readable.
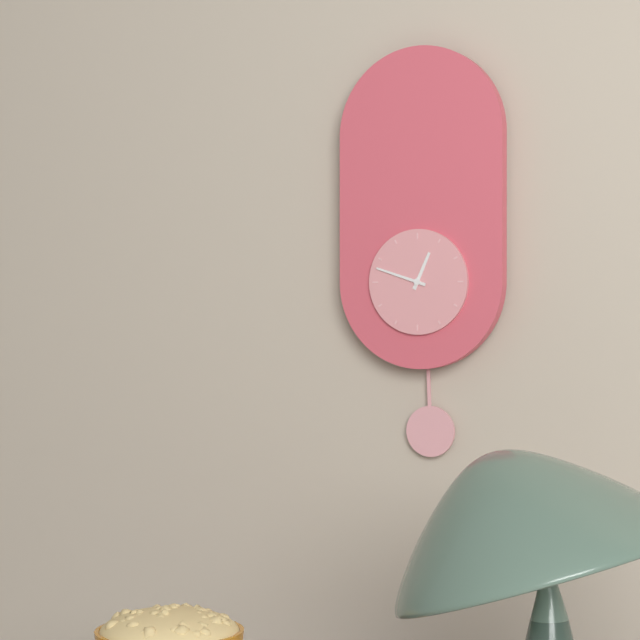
**12:48**
